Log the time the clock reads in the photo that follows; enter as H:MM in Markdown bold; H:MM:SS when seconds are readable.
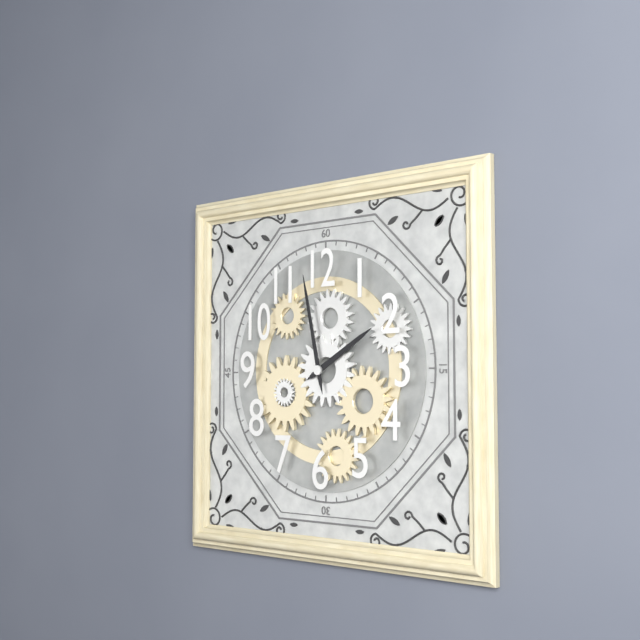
**1:58**
